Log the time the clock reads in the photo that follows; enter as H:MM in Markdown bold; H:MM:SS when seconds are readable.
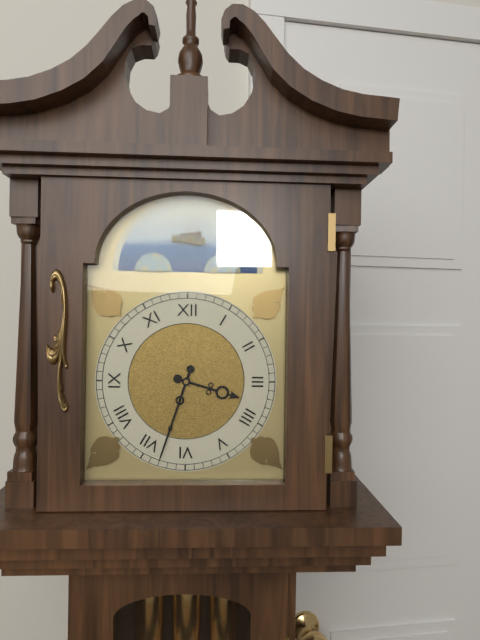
**3:33**
